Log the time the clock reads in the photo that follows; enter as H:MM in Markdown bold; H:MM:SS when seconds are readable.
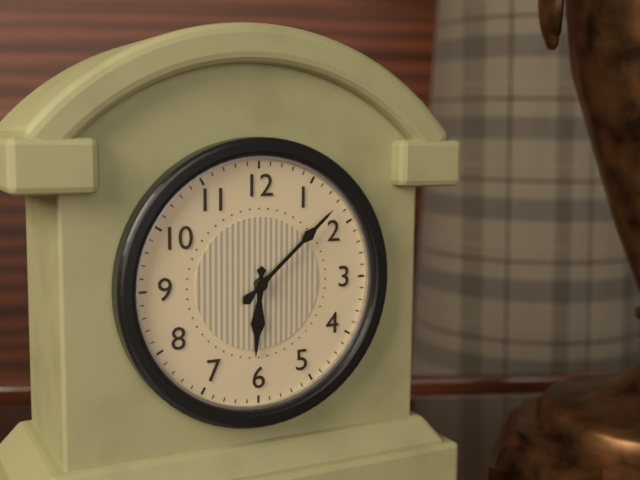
**6:08**
